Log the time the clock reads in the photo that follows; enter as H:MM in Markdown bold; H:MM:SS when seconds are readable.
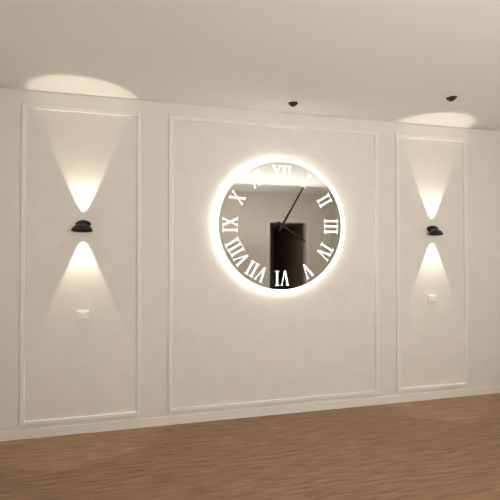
**4:05**
